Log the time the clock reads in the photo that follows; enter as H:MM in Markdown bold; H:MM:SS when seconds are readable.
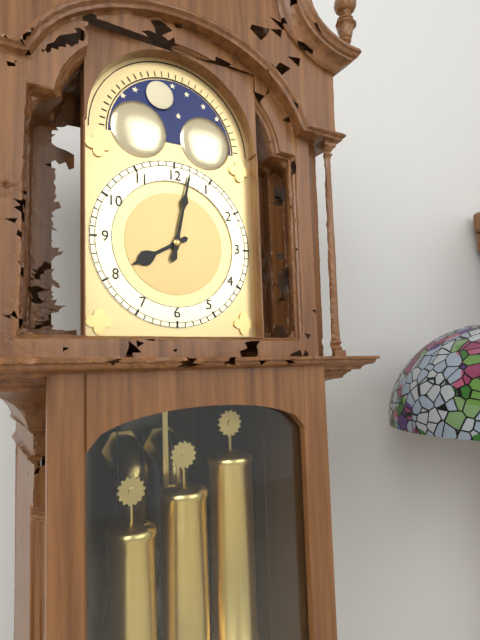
**8:02**
